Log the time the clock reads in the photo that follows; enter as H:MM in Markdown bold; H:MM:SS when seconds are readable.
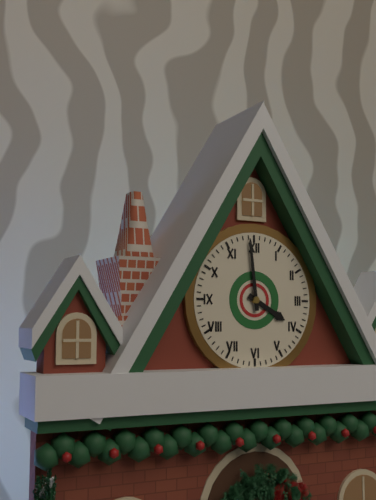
**3:59**
